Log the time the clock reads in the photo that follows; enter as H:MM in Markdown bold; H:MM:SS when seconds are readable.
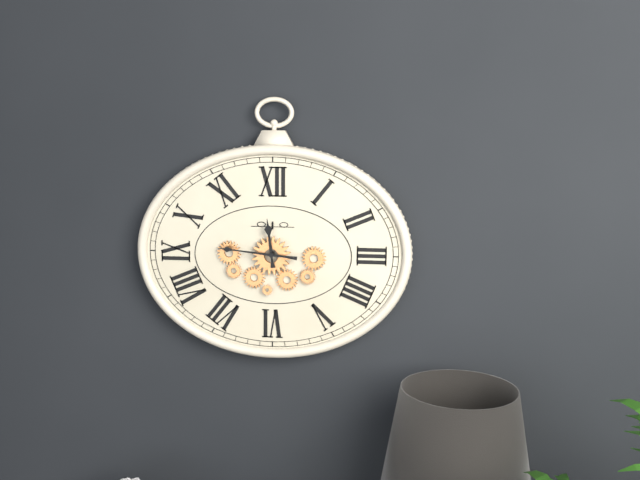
**11:46**
